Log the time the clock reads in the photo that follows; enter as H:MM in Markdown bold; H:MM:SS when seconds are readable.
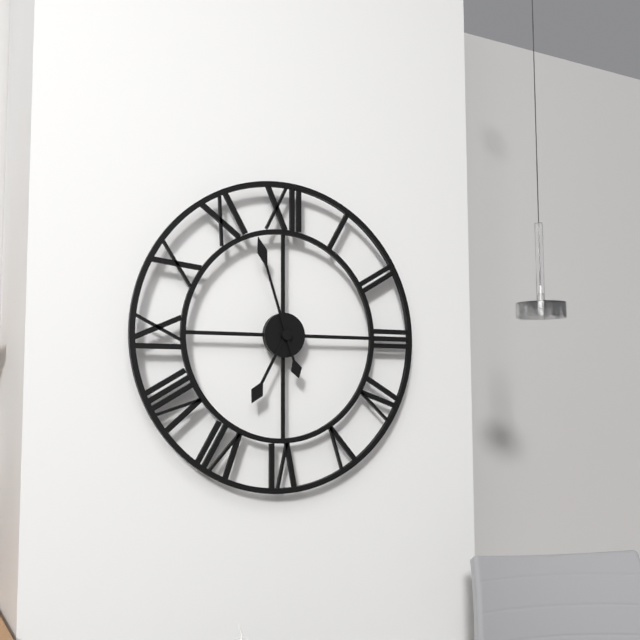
**6:57**
